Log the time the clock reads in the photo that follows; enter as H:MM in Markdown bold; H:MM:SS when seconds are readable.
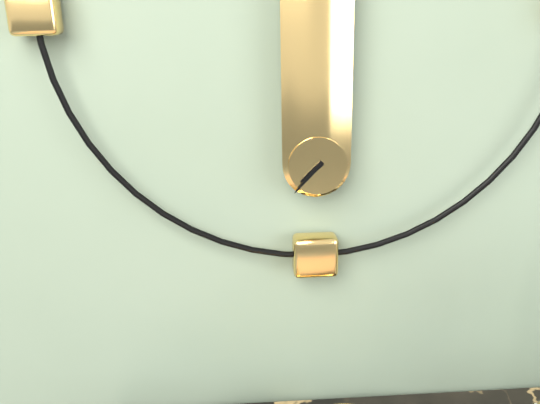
**7:37**
